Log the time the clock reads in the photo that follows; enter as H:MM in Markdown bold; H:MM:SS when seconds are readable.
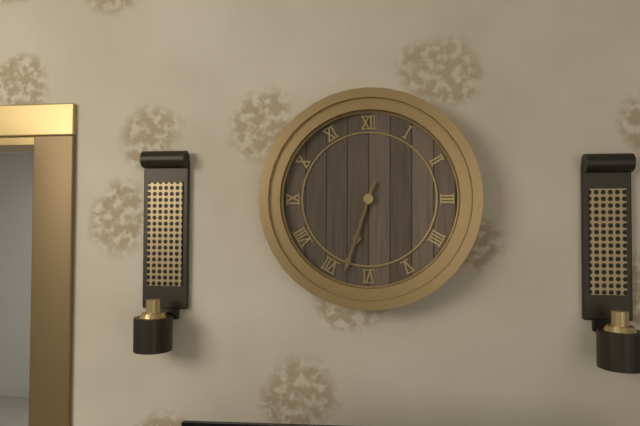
**6:33**
